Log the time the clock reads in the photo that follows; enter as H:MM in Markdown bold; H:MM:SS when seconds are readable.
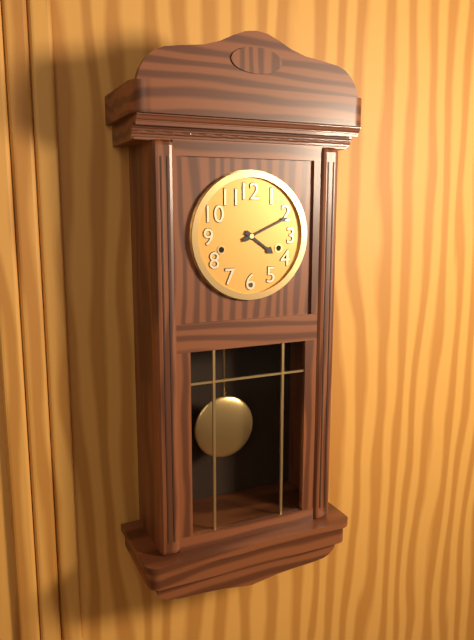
**4:11**
